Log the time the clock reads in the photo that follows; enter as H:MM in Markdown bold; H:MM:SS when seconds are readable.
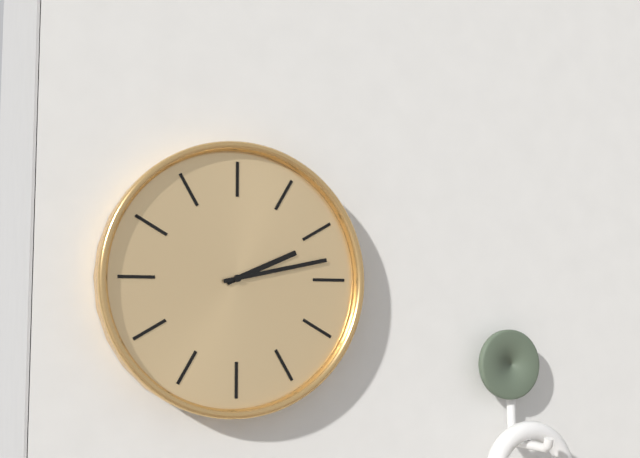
**2:13**
